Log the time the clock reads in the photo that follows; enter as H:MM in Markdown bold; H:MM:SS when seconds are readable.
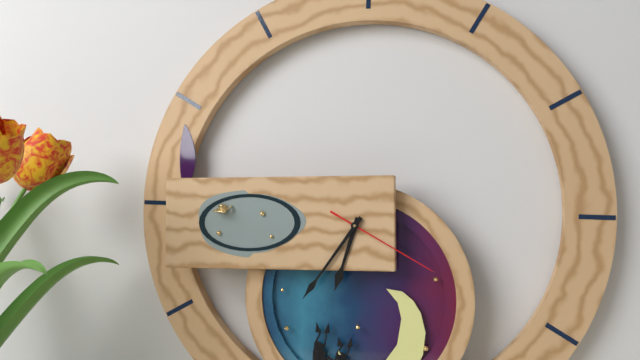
**6:36:20**
